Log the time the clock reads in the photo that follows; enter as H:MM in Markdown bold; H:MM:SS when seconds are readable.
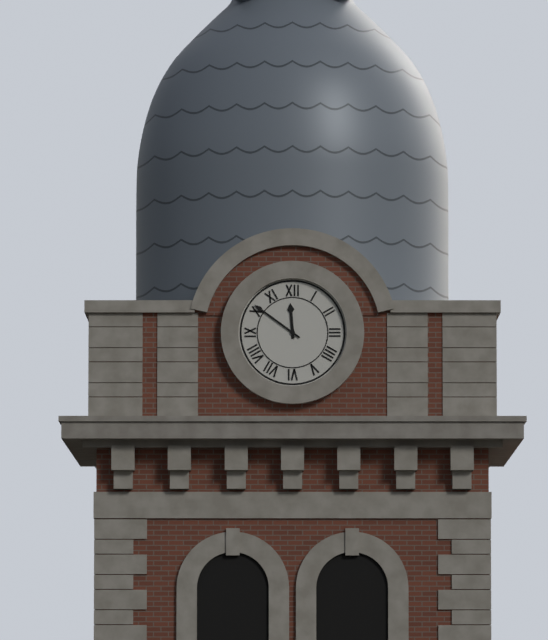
**11:51**
